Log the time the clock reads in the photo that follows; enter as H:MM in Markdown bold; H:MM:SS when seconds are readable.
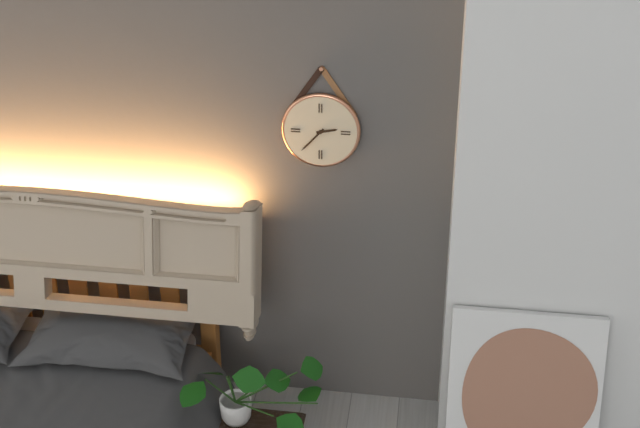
**2:37**
